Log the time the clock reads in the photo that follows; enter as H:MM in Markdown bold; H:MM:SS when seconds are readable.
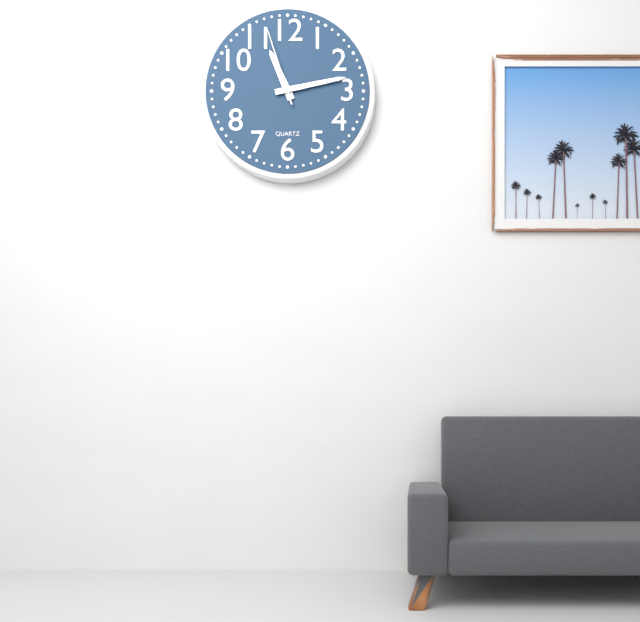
**11:13:57**
